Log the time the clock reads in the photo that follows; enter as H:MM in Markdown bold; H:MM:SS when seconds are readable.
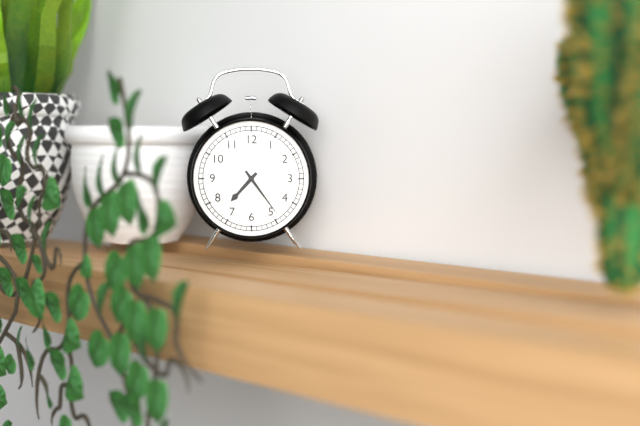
**7:24**
